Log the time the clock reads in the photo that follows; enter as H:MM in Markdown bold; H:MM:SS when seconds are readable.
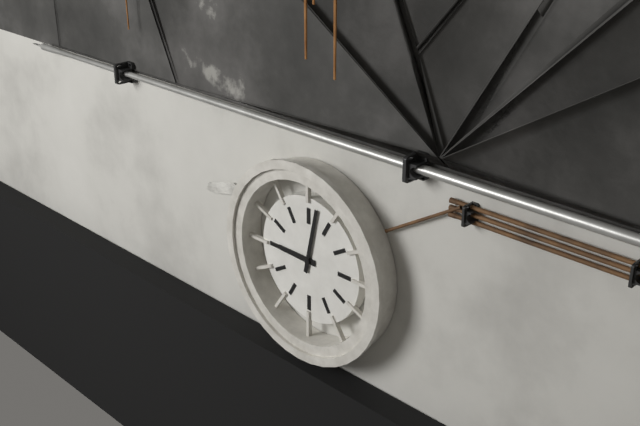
**9:02**
